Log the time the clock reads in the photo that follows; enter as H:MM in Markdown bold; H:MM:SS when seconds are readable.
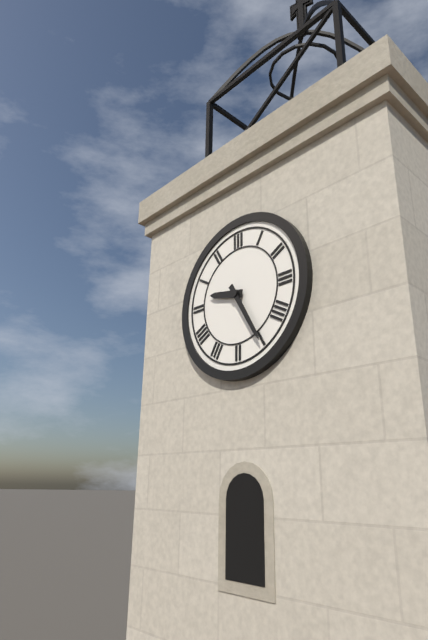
**9:25**
